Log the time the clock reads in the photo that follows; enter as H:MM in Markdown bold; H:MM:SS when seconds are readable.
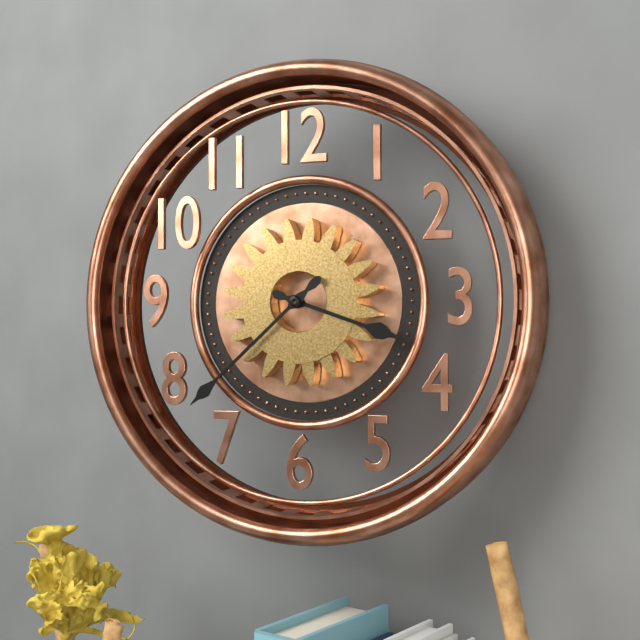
**3:38**
